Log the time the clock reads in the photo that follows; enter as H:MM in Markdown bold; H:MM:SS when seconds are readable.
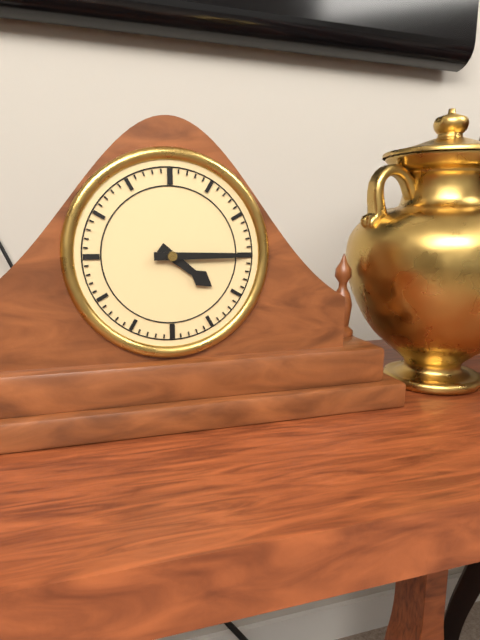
**4:15**
